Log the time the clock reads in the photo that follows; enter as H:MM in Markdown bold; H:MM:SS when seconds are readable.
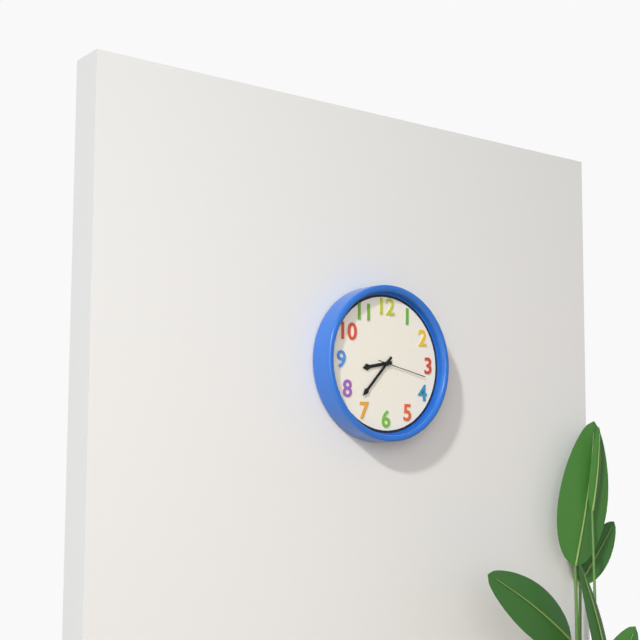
**8:37:17**
